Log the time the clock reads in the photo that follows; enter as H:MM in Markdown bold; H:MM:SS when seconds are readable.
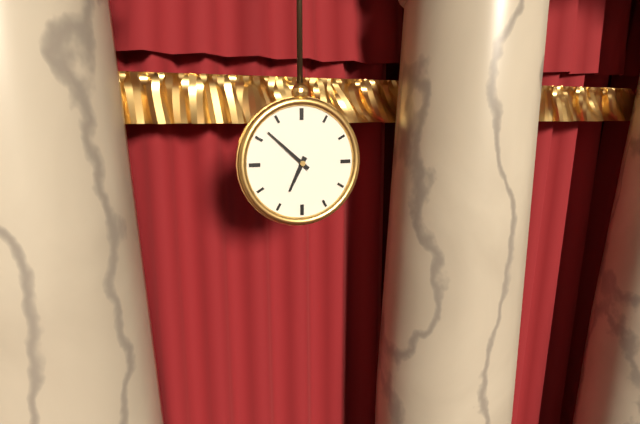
**6:52**
